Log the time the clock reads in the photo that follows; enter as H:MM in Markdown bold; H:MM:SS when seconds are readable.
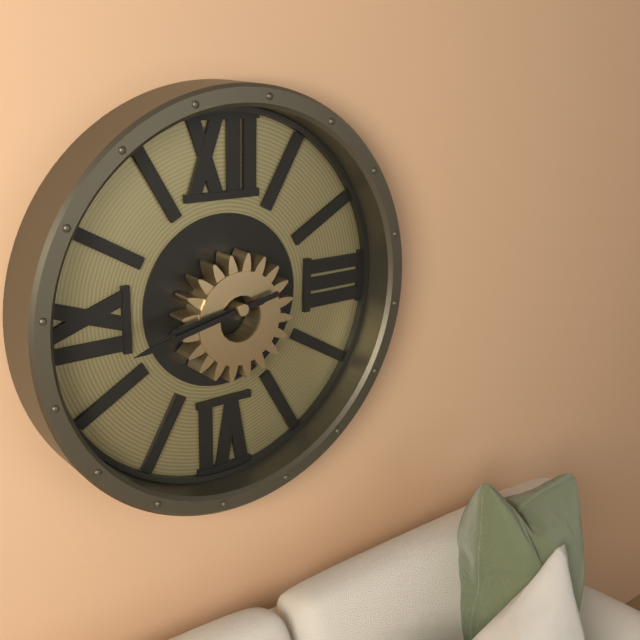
**8:43**
